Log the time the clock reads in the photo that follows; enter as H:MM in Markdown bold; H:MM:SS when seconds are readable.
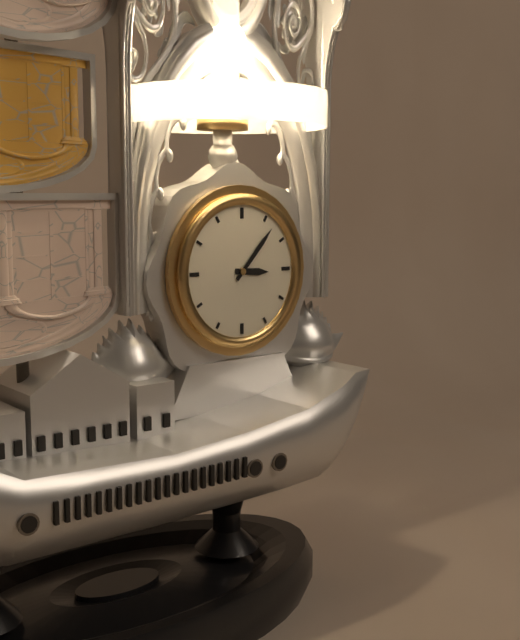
**3:07**
